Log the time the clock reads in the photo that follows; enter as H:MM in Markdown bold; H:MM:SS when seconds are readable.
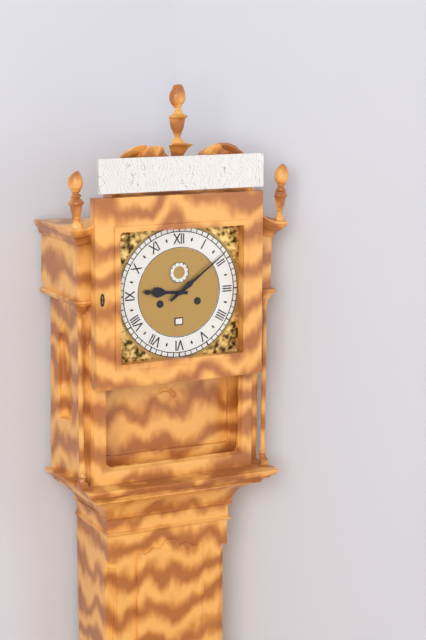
**9:09**
